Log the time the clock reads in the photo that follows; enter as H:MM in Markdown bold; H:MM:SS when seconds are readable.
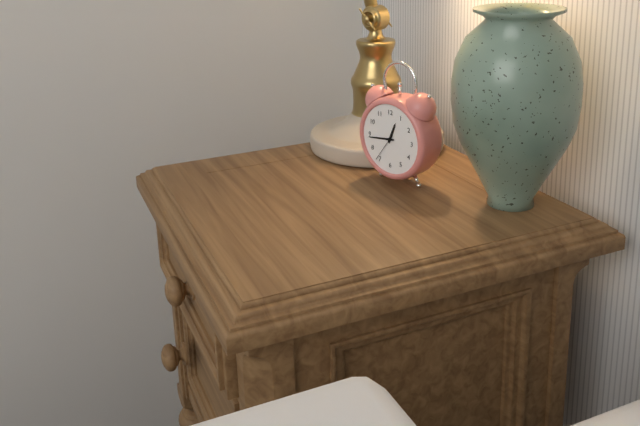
**12:44**
